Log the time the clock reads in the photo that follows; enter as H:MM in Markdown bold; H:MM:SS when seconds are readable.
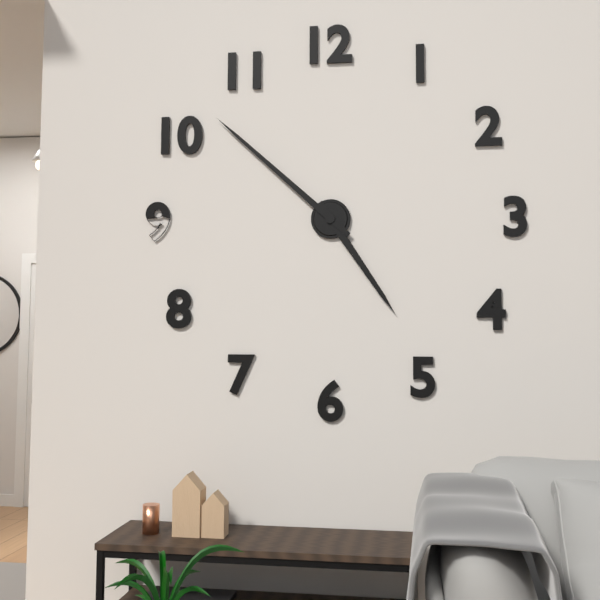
**4:52**
